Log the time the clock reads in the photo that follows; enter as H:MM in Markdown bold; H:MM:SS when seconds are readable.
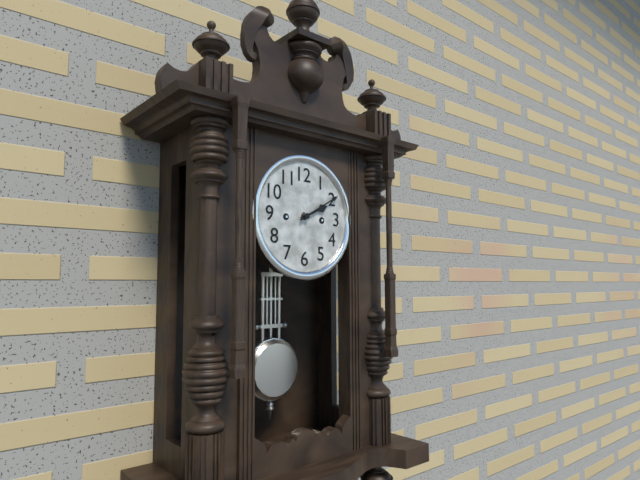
**2:10**
